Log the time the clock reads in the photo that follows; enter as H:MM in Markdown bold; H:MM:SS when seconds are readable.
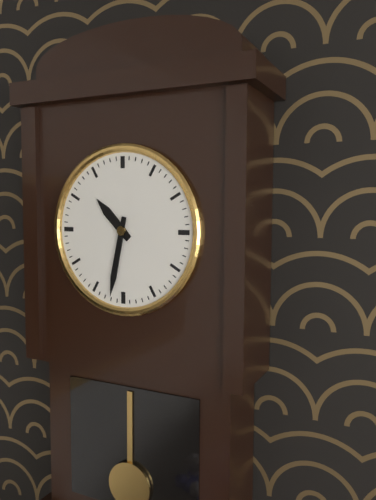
**10:32**
